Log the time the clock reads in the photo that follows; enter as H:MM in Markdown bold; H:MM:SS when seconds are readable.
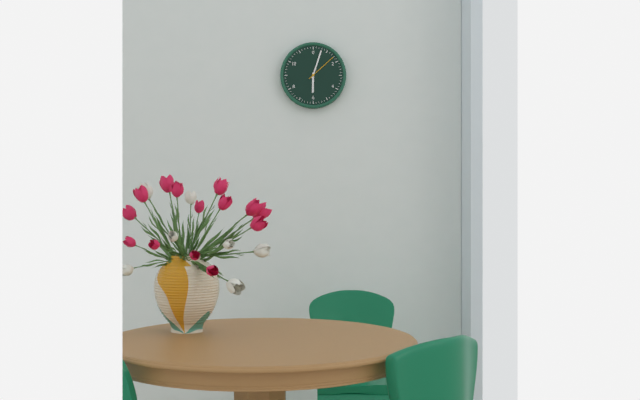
**6:03**
